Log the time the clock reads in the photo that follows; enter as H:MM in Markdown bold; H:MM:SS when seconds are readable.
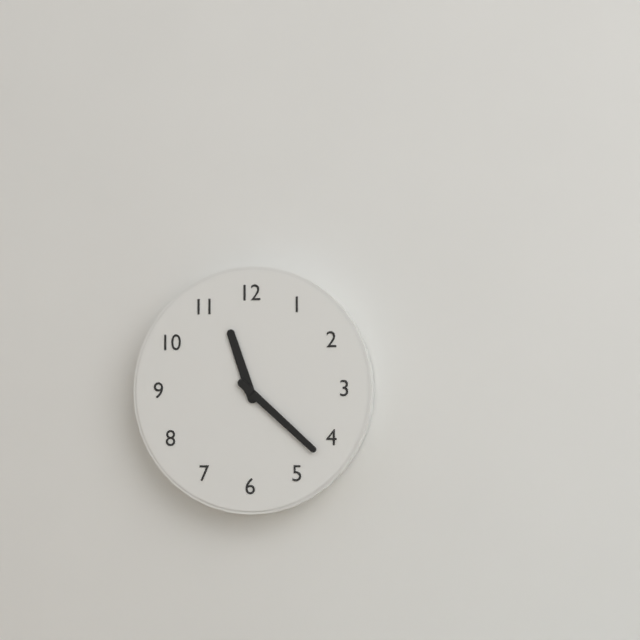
**11:22**
